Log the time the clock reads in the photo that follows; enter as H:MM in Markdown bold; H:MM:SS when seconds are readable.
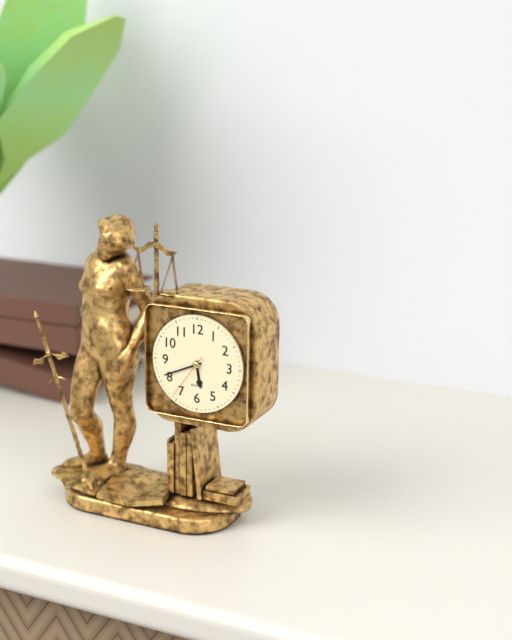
**5:41**
